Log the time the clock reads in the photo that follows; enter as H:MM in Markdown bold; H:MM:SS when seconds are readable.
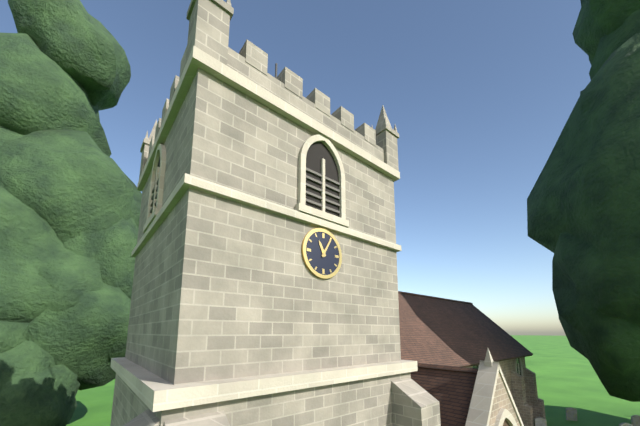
**11:05**
